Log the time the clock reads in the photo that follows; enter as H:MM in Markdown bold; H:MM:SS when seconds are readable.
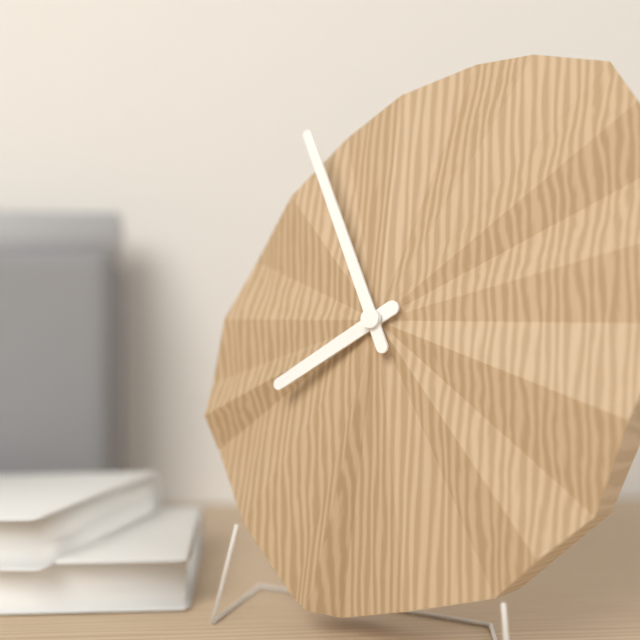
**7:56**
